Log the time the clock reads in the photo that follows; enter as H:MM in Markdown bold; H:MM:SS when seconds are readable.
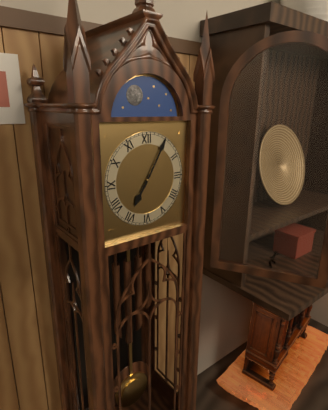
**7:05**
